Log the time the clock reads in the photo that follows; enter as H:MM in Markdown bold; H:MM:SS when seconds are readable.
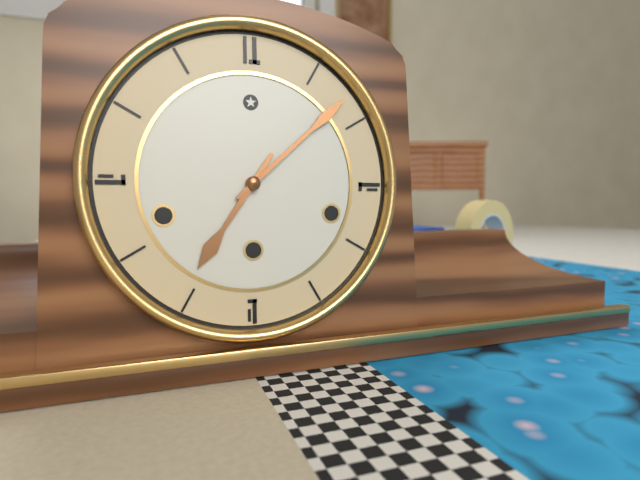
**7:08**
